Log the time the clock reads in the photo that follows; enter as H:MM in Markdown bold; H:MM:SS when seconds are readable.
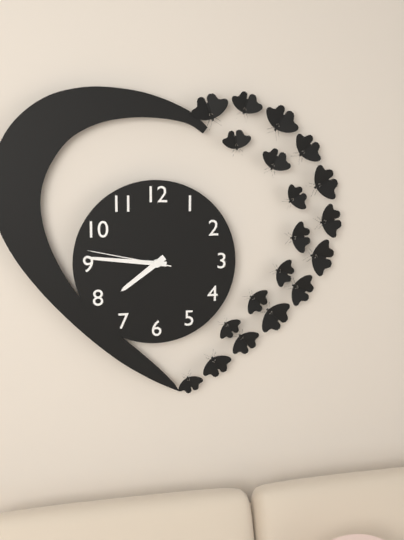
**7:46:47**
